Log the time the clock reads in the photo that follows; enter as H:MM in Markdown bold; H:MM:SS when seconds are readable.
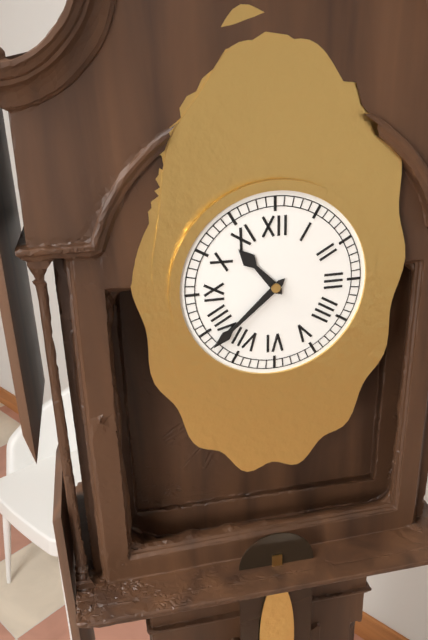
**10:38**
